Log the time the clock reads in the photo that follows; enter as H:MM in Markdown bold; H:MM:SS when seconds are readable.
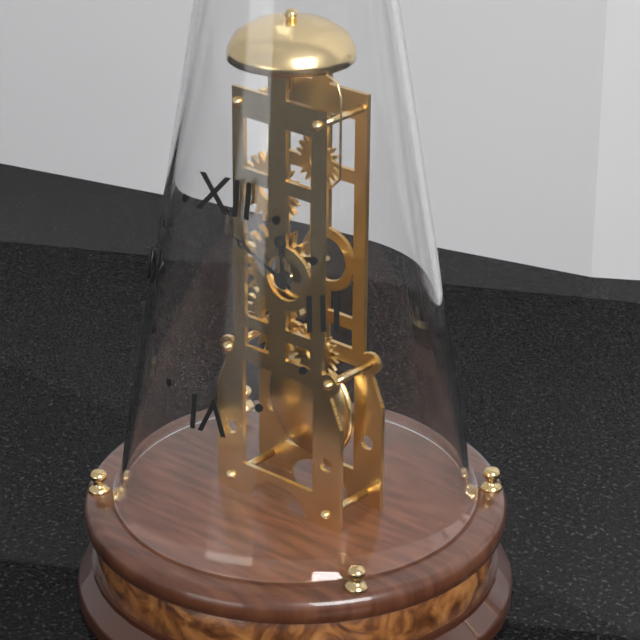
**11:49**
